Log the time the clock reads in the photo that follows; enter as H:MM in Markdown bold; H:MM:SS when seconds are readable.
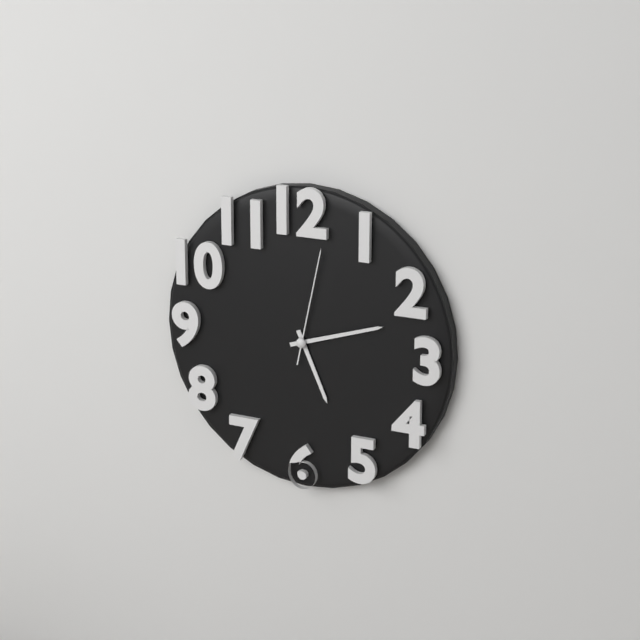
**5:12:02**
